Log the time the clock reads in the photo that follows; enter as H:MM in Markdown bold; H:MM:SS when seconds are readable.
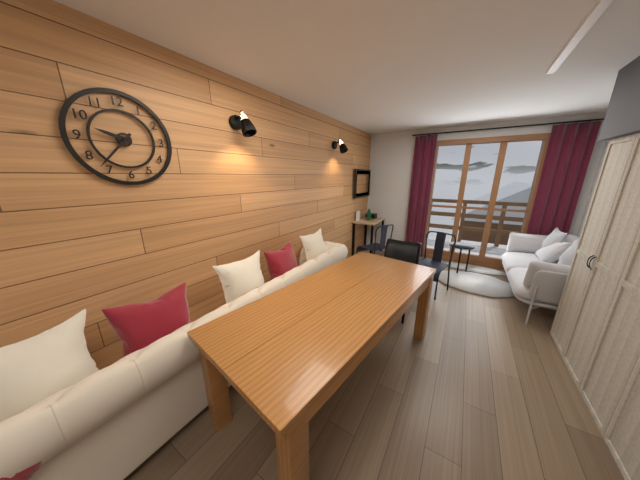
**9:37**
